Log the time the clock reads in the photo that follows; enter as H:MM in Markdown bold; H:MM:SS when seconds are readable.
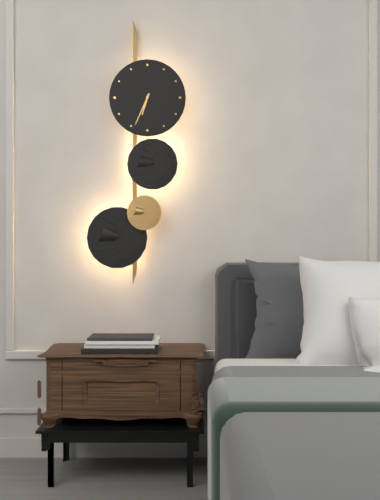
**6:34**
